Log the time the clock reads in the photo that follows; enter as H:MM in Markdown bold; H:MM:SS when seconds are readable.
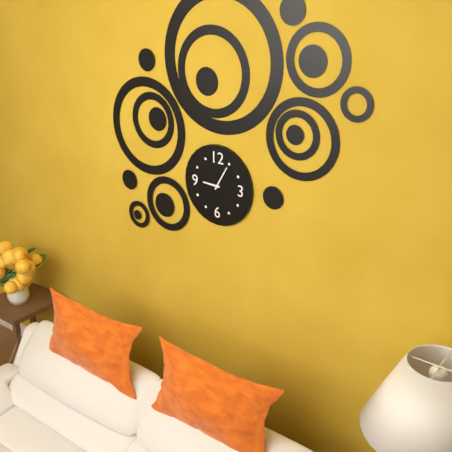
**9:05**
